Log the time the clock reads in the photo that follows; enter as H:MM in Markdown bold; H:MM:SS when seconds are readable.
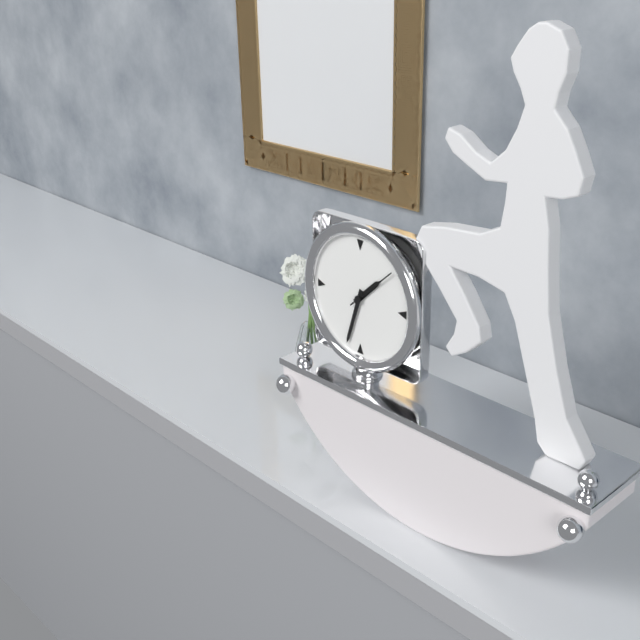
**1:33**
